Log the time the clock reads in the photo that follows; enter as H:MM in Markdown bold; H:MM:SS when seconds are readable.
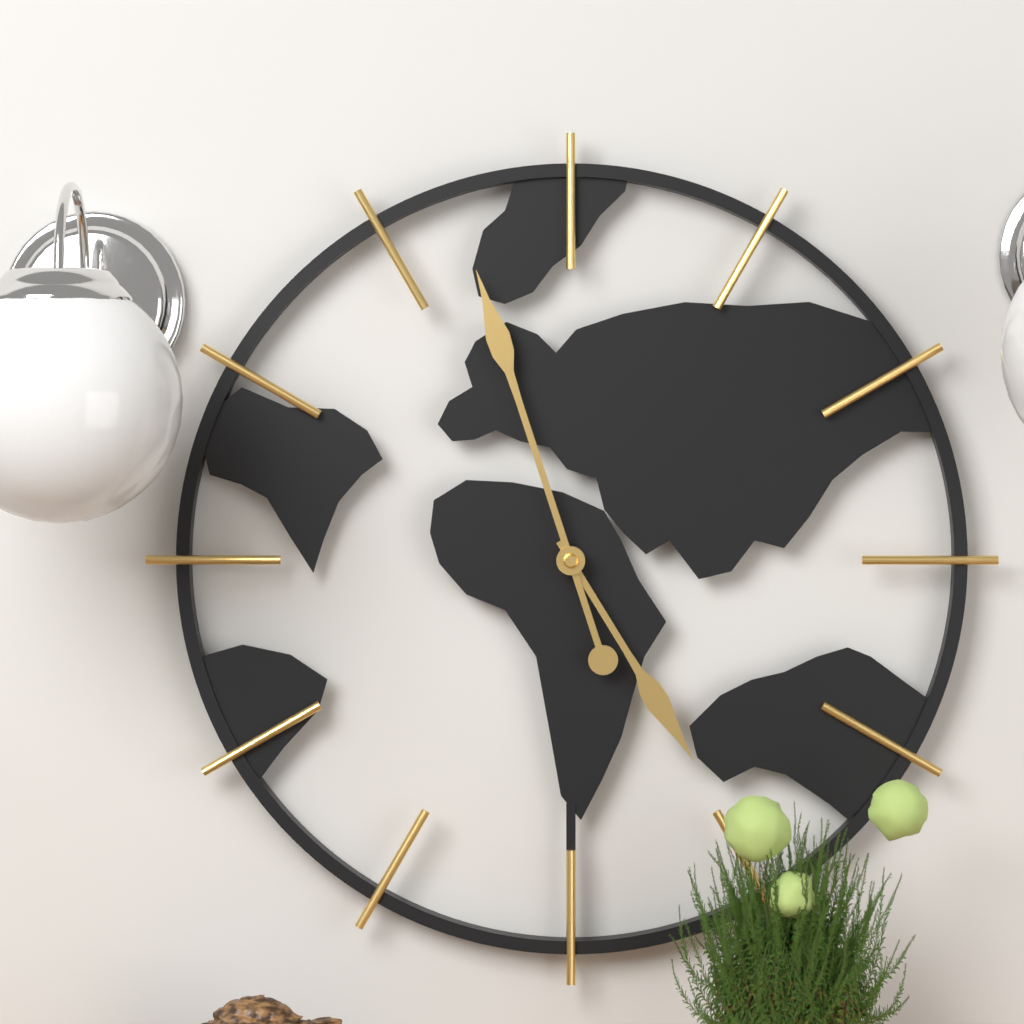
**4:57**
